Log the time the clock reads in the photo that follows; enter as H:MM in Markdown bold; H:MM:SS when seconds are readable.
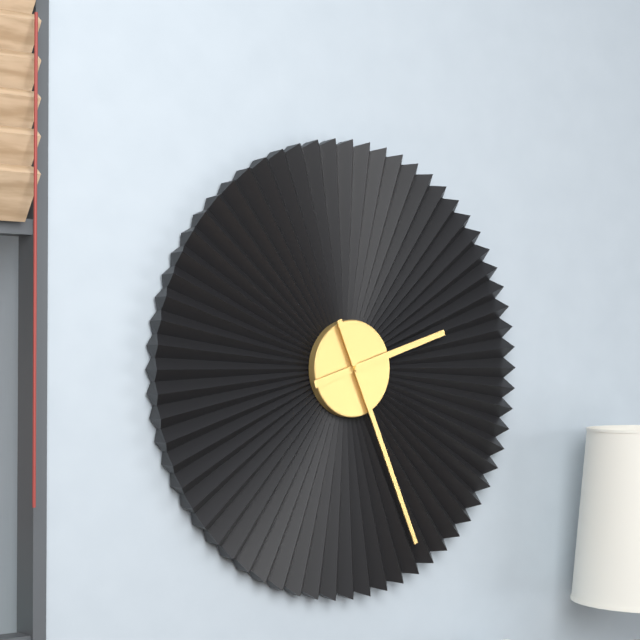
**2:26**
